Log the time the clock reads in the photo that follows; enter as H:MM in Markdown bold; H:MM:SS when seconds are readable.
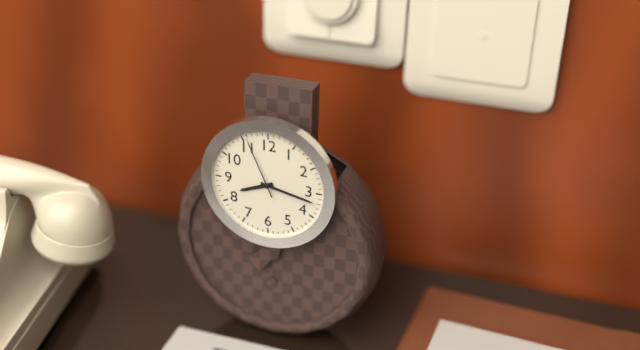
**8:17:56**
